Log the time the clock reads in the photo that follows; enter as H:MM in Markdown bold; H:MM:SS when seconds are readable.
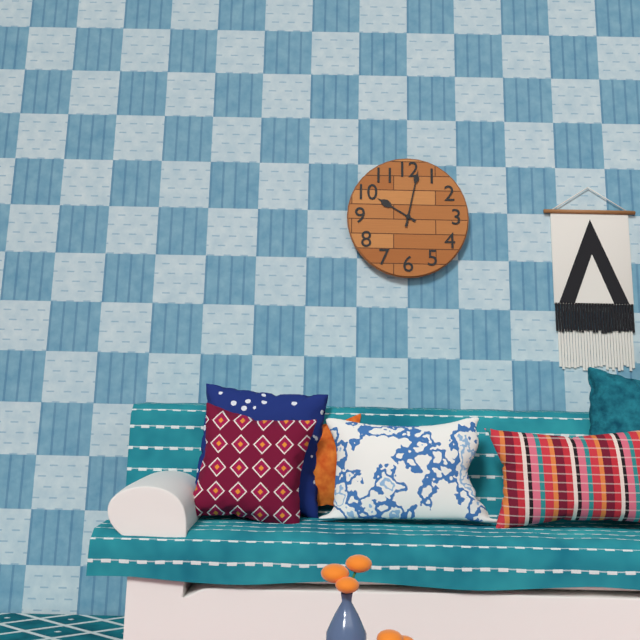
**10:02**
